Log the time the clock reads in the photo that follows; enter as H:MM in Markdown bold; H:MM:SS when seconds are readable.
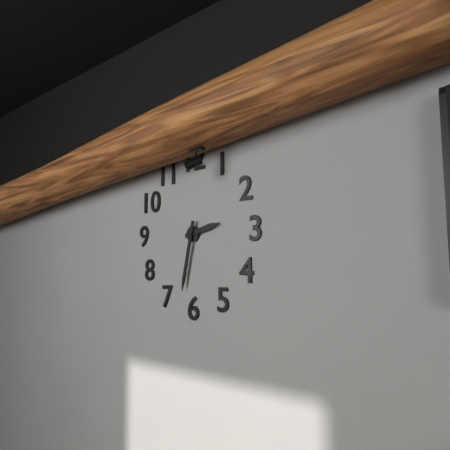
**2:32**
